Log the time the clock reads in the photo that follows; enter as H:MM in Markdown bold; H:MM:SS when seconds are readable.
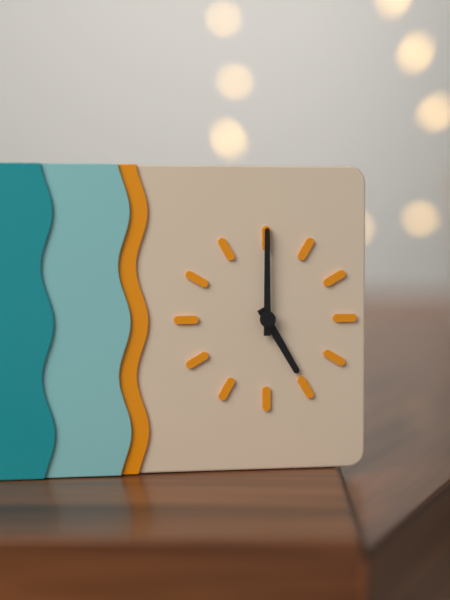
**5:00**
